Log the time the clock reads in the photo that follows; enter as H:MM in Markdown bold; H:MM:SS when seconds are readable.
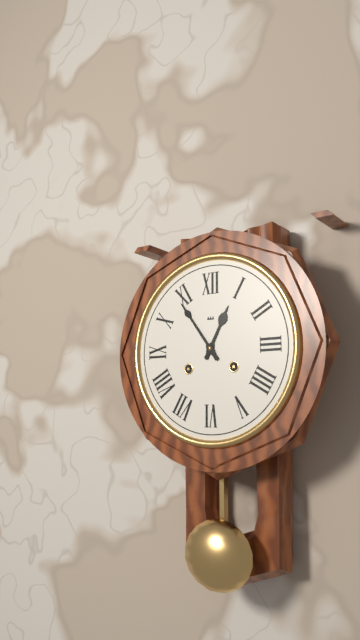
**12:54**
